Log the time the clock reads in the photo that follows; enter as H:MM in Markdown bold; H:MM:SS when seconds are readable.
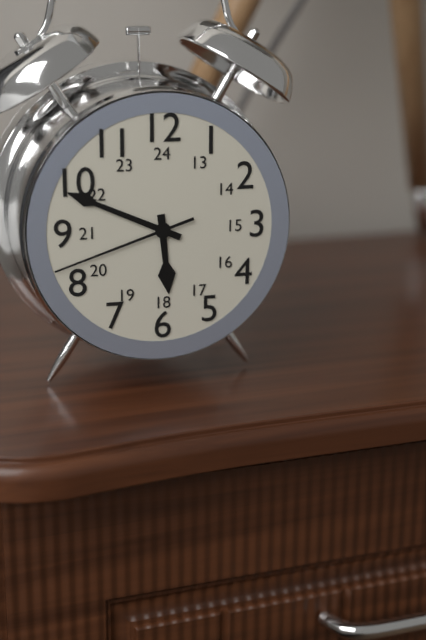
**5:49:42**
